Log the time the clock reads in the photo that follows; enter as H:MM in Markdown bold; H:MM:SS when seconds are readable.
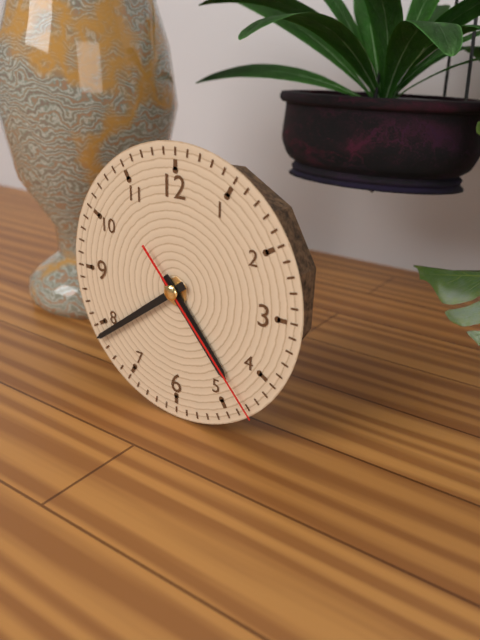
**4:39:23**
